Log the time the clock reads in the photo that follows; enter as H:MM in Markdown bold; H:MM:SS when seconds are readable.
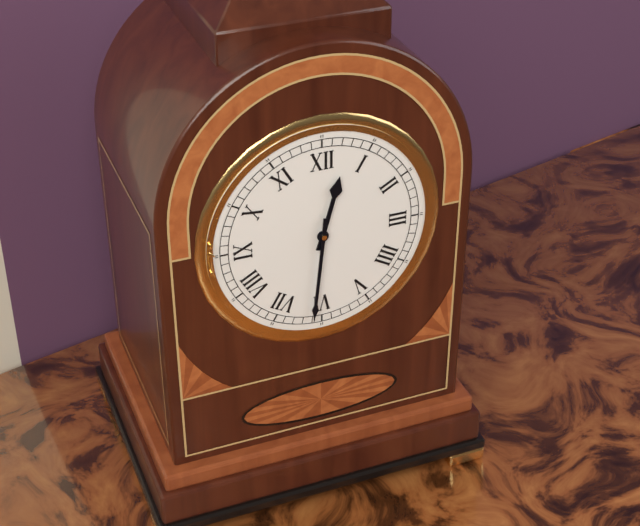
**12:31**
